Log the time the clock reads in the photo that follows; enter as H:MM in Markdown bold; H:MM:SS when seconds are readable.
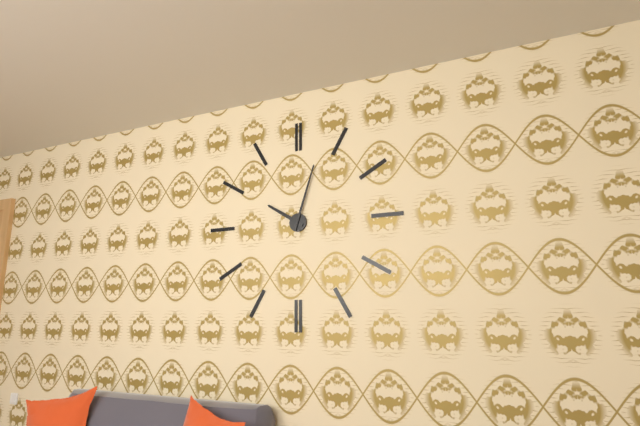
**10:03**
